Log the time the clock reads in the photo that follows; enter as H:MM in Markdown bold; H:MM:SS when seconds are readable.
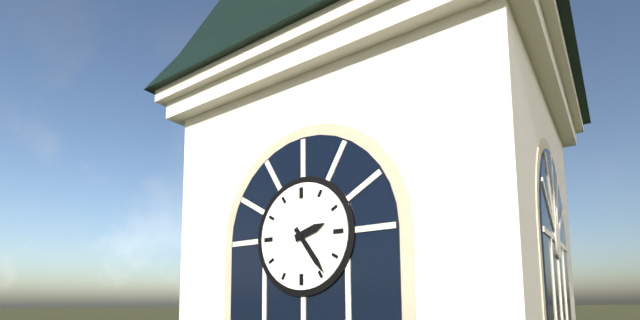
**2:24**
